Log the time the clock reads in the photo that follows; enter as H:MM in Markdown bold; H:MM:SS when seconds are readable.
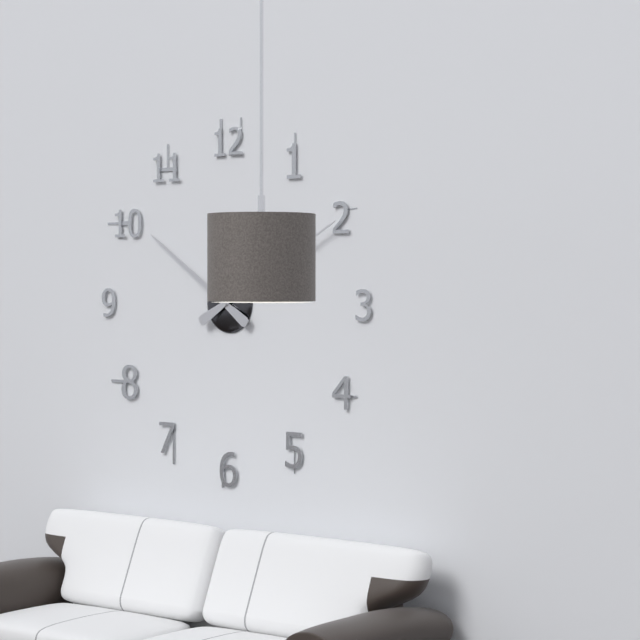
**10:10**
